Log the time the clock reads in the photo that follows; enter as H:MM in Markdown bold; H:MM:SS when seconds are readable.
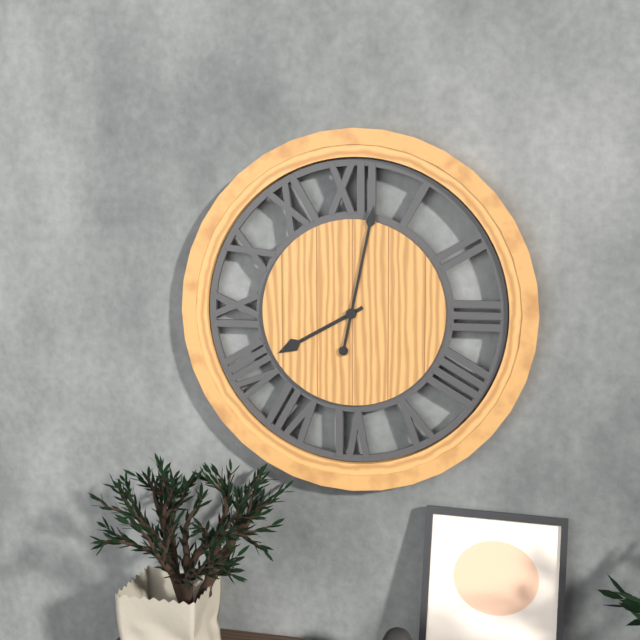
**8:02**
